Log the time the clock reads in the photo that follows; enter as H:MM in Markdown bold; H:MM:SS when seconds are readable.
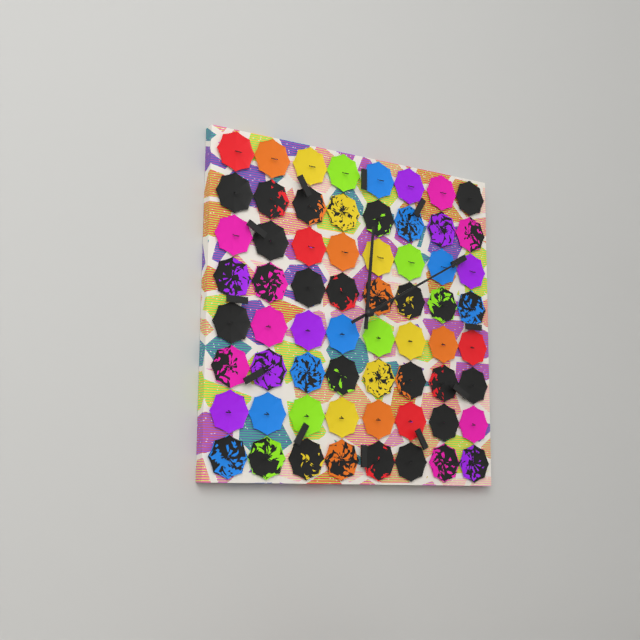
**12:10**
